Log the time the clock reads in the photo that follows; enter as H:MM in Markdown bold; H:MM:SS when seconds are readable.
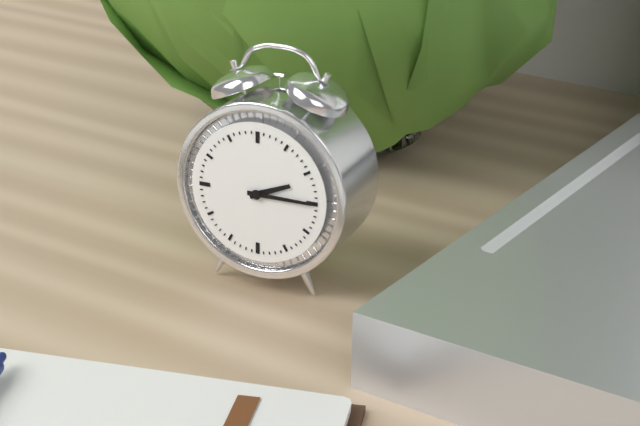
**2:15**
